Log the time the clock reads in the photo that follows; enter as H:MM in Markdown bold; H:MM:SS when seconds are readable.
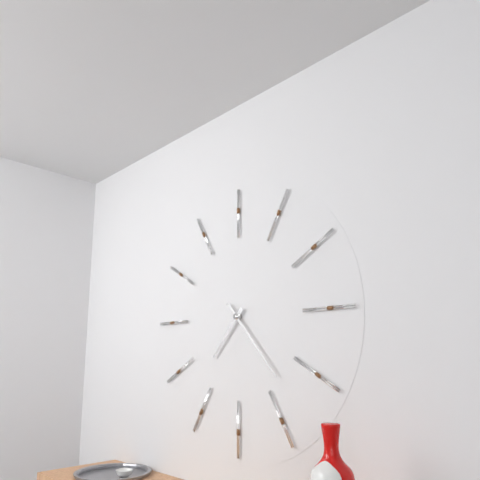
**7:23**
